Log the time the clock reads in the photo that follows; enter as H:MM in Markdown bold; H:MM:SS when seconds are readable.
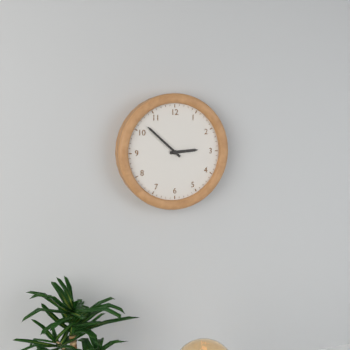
**2:52**
